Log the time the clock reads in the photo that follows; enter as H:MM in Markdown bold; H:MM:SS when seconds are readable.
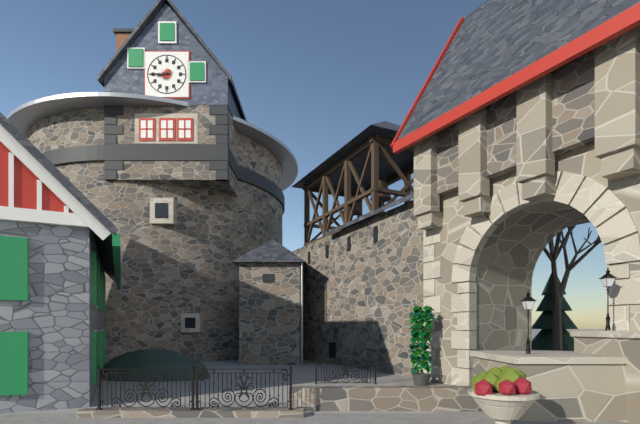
**8:45**
